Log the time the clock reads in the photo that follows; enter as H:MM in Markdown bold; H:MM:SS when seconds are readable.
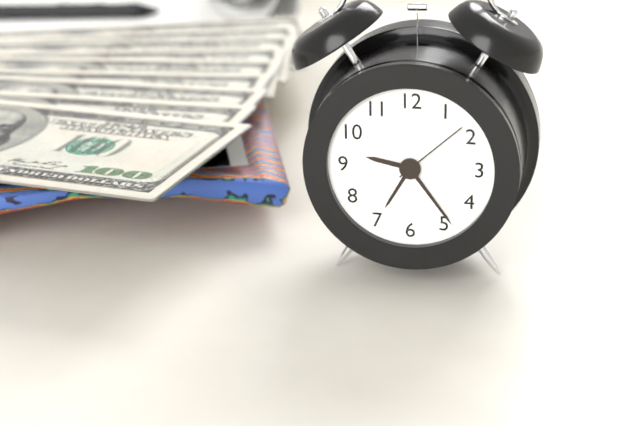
**9:24:08**
